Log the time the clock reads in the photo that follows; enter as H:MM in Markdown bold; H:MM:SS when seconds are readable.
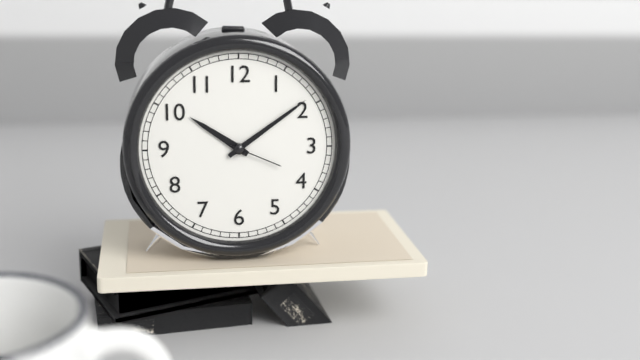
**10:09:19**
